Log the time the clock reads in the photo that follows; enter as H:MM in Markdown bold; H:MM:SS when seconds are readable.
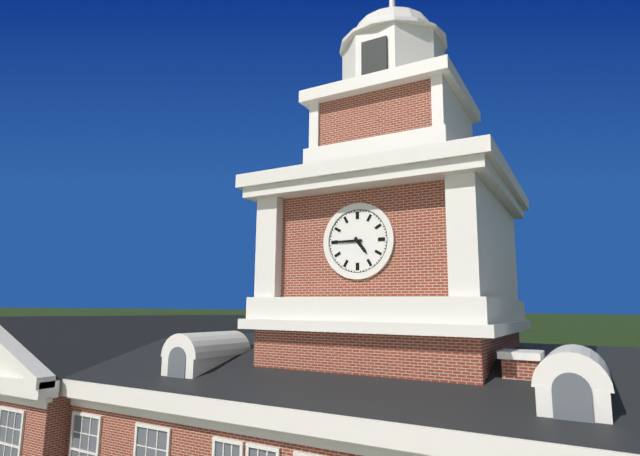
**4:45**
